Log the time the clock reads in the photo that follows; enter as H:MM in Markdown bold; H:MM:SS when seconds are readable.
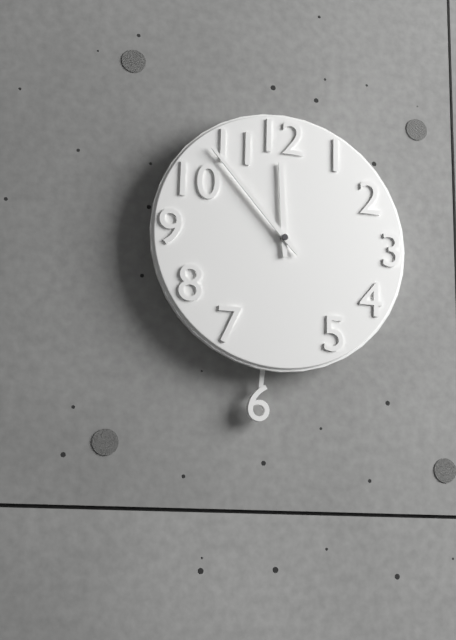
**11:53**
